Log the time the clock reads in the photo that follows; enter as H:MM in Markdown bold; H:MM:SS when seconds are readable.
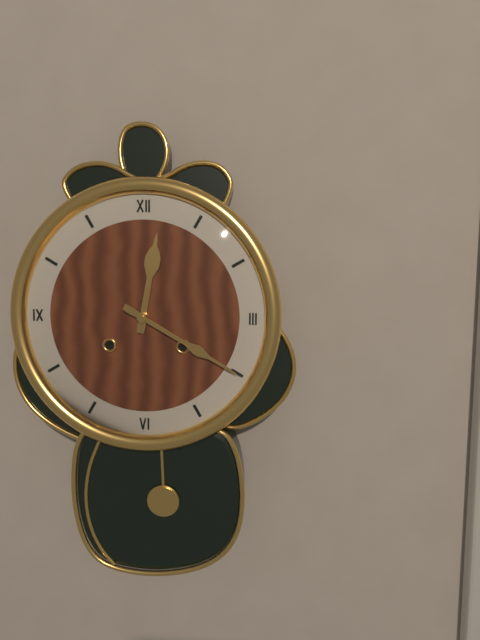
**12:20**
